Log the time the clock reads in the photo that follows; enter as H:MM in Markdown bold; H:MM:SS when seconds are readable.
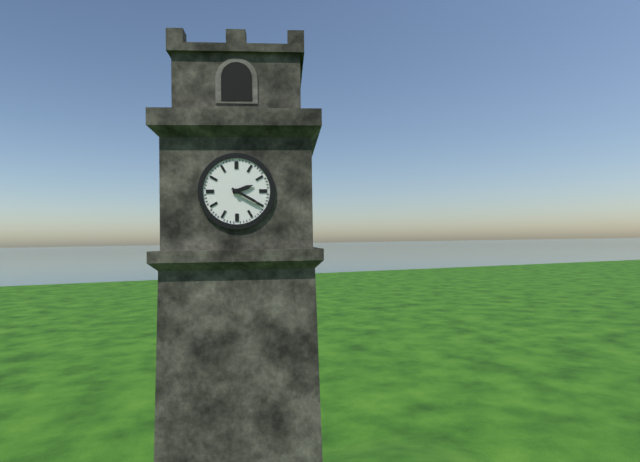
**2:20**
